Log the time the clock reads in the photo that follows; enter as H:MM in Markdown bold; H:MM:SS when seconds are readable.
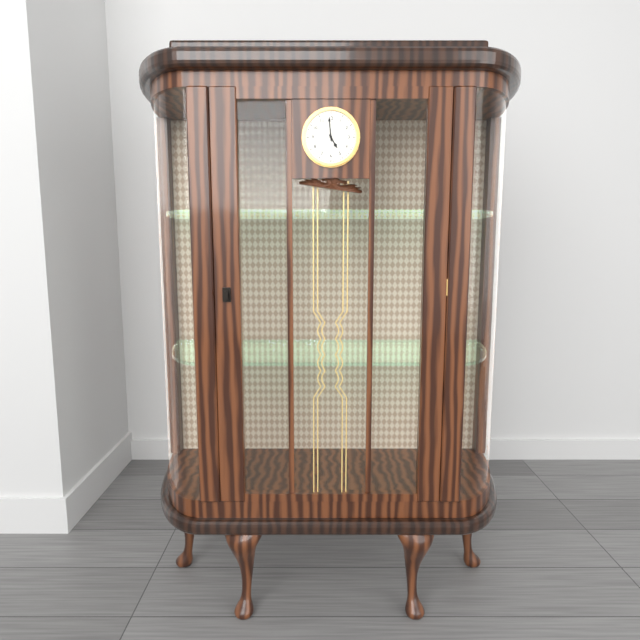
**4:59**
